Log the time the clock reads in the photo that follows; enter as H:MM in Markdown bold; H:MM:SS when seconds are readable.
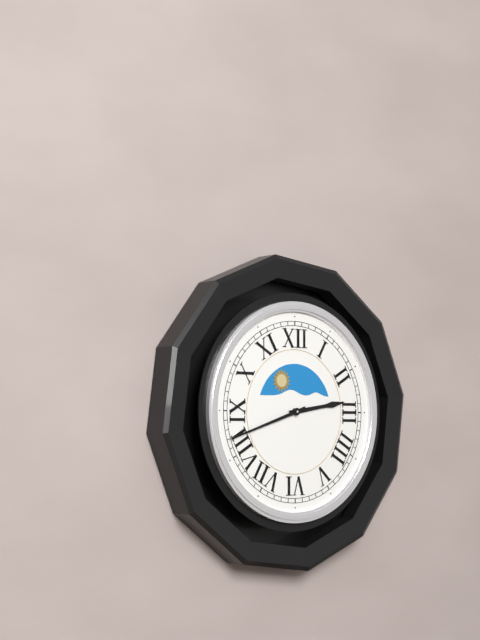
**2:42**
